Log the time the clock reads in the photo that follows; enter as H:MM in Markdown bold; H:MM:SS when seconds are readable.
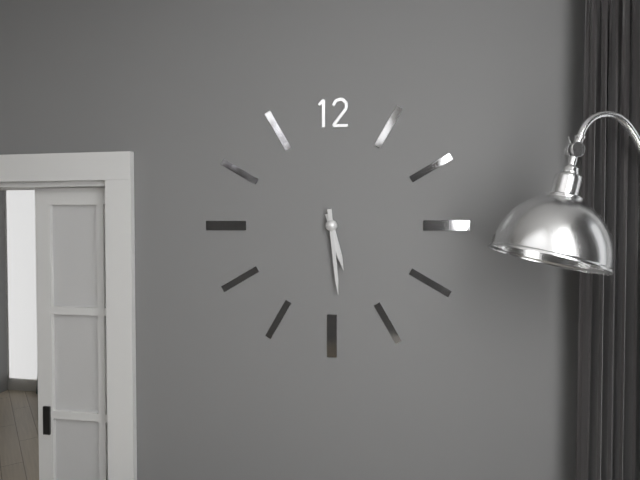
**5:29**
